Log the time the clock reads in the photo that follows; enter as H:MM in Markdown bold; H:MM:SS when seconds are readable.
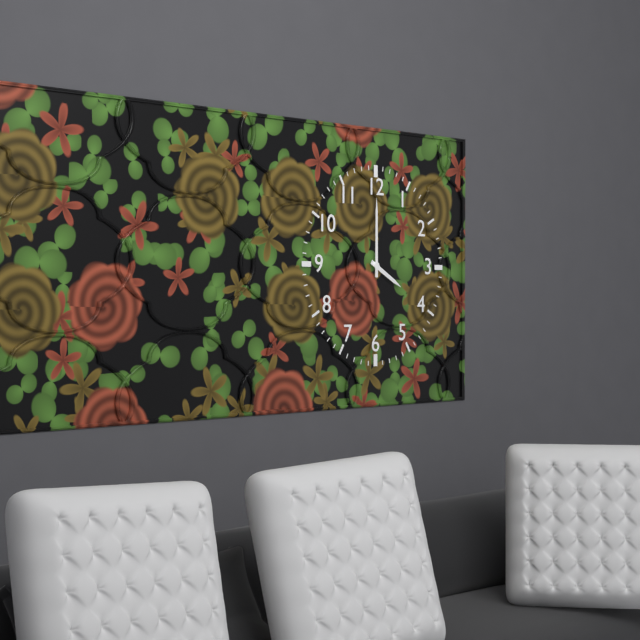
**4:00**
